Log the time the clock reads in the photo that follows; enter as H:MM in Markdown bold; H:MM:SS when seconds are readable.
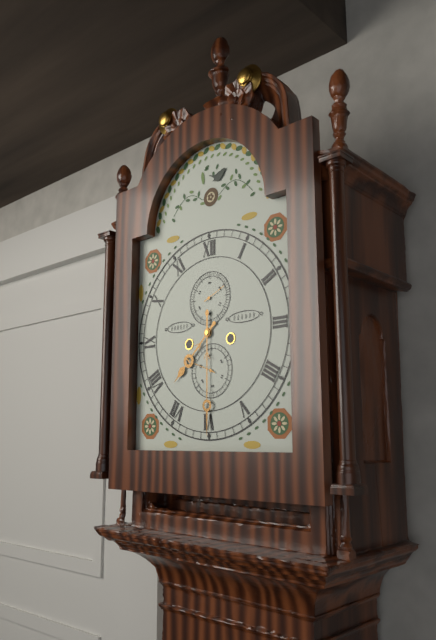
**7:30**
